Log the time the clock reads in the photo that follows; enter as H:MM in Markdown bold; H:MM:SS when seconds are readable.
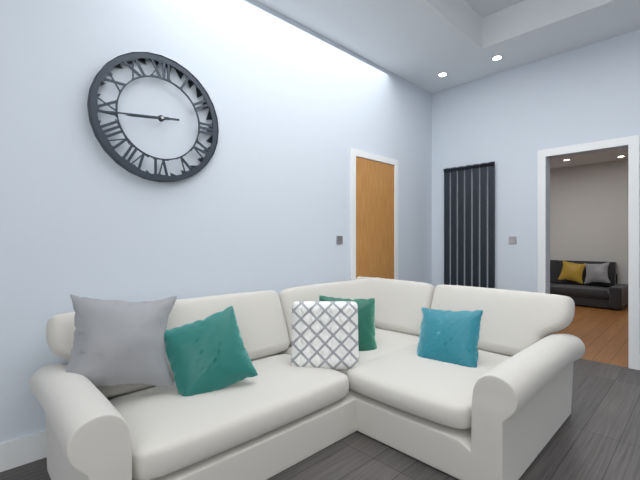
**8:44**
